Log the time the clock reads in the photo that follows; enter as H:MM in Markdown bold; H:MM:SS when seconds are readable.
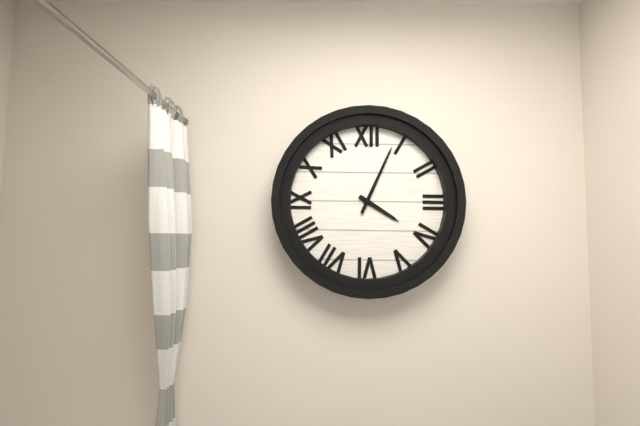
**4:04**
